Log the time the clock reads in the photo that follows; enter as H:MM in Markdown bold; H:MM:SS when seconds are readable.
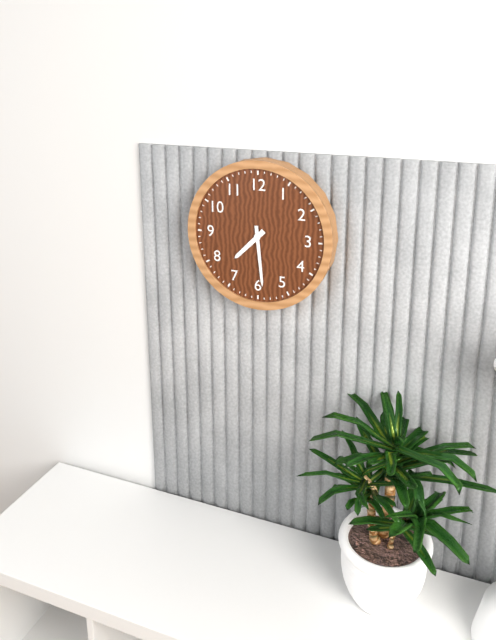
**7:29**
